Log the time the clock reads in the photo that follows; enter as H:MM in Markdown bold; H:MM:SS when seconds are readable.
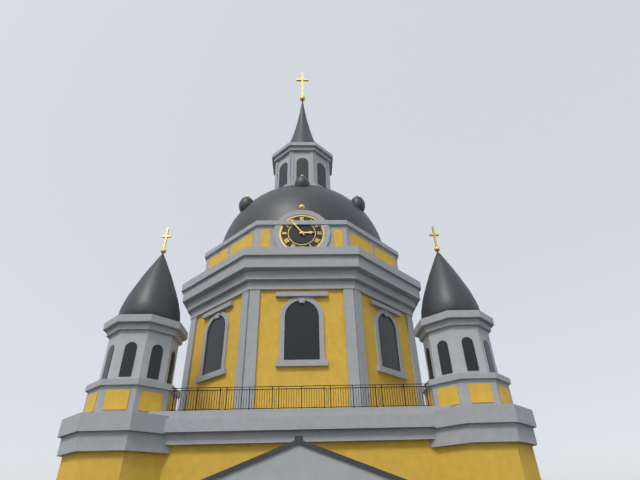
**2:54**
